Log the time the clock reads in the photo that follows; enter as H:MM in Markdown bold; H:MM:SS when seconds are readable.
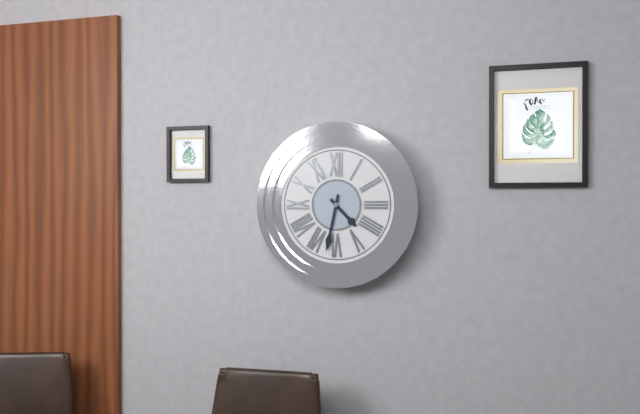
**4:32**
